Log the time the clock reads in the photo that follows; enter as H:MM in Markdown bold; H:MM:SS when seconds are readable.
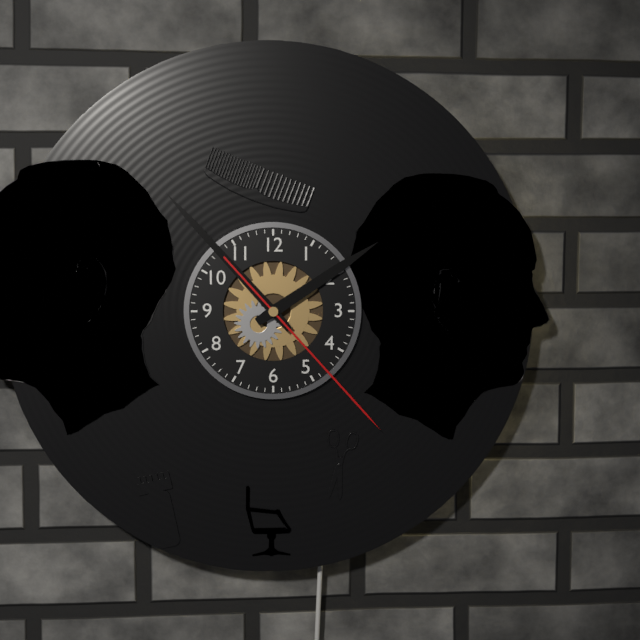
**1:53:23**
